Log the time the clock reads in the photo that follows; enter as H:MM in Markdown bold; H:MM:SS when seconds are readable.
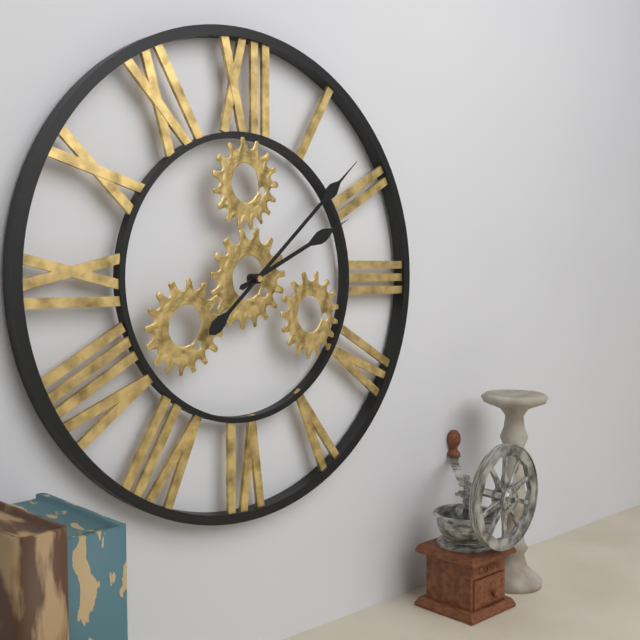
**2:08**
